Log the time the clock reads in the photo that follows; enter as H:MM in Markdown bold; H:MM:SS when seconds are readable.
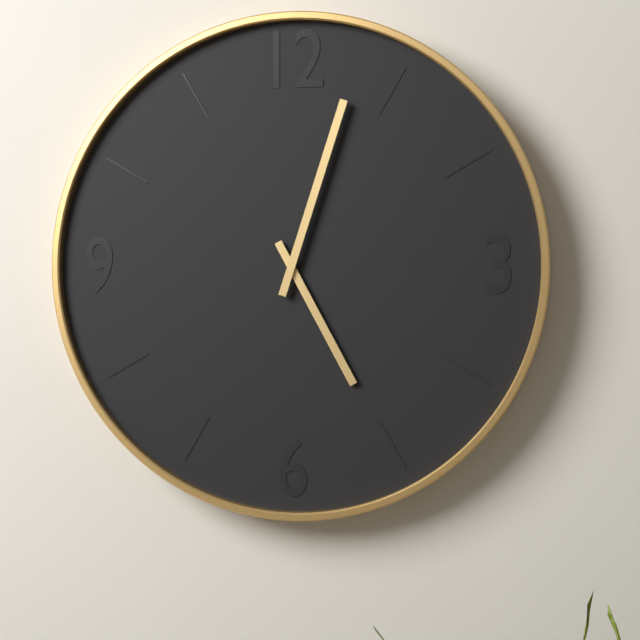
**5:03**
